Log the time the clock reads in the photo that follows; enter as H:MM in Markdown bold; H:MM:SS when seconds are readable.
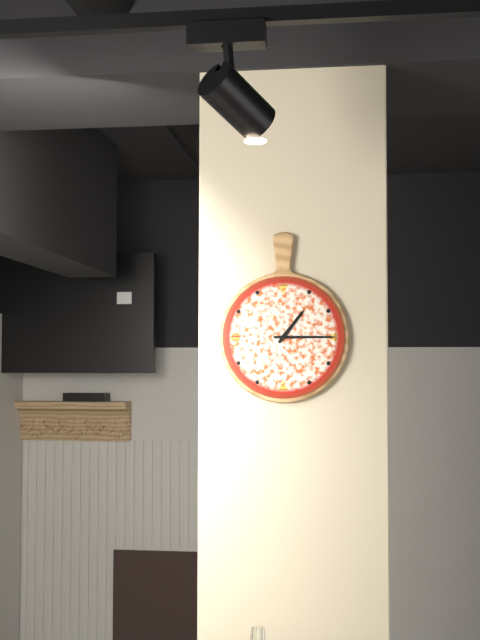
**1:15**
